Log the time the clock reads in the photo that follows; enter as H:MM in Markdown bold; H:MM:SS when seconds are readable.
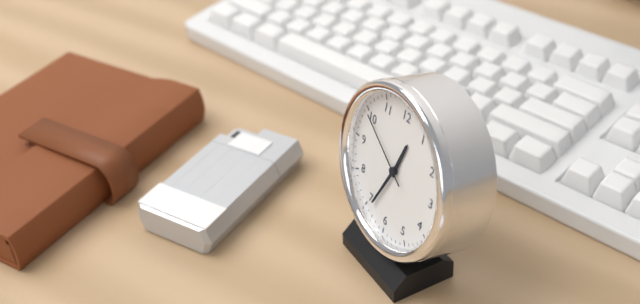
**12:34:50**
